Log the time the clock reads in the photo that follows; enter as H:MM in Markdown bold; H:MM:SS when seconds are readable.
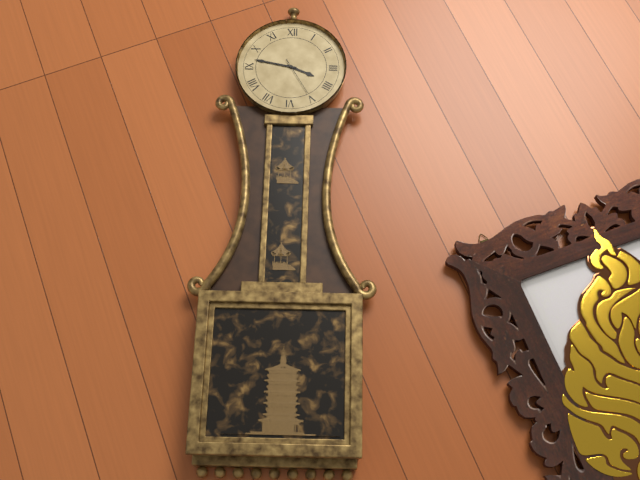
**3:47**
